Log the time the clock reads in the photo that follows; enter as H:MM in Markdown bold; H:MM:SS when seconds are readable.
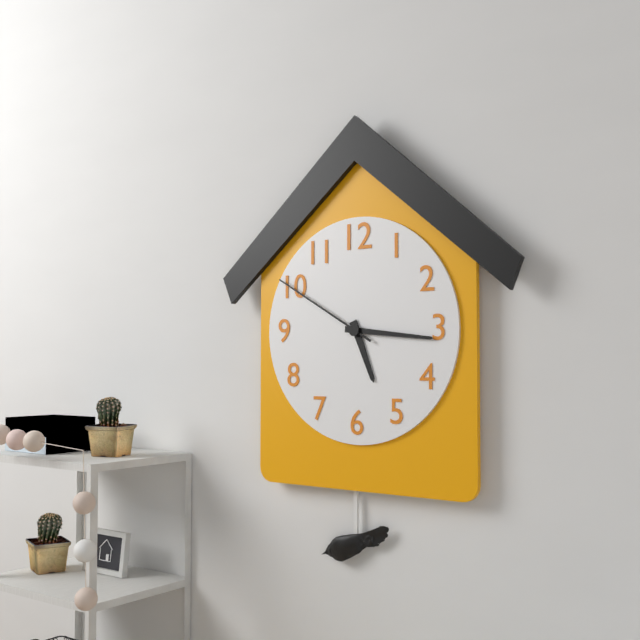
**5:16:50**
